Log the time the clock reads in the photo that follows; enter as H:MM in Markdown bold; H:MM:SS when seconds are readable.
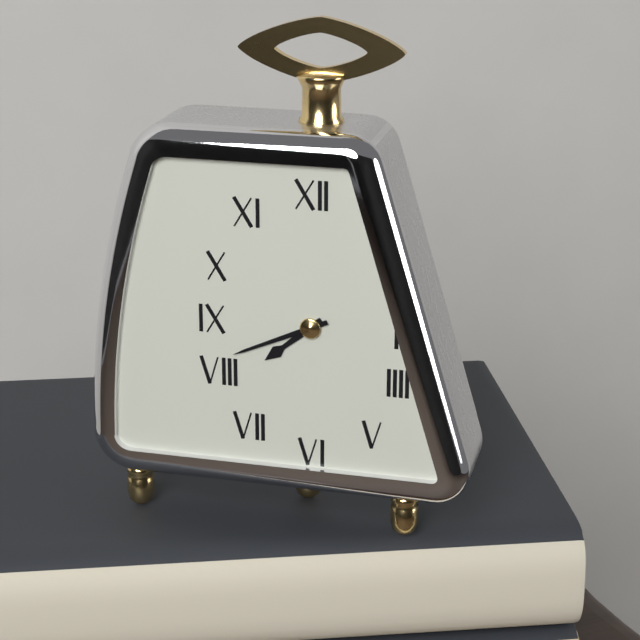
**7:41**
